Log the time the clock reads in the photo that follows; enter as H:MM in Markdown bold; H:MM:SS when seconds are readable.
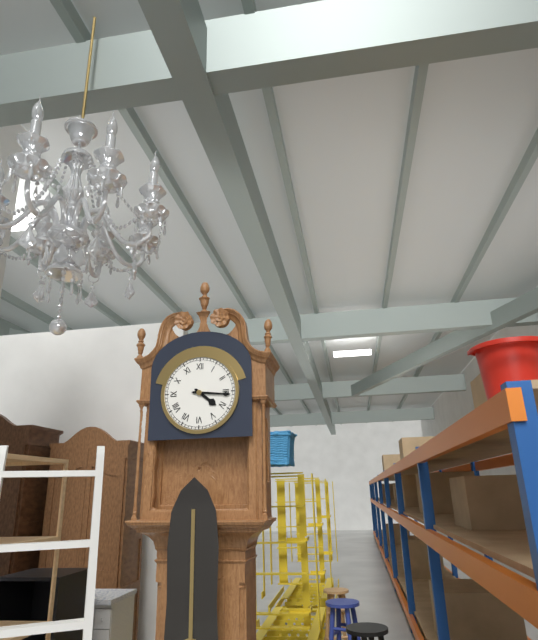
**4:16**
